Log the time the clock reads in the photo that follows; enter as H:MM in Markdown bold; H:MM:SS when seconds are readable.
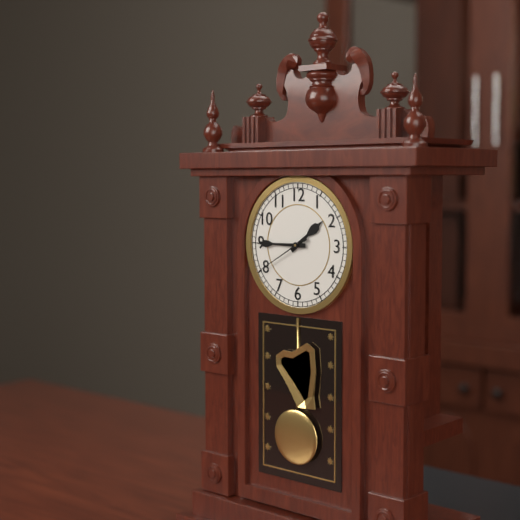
**1:45:40**
